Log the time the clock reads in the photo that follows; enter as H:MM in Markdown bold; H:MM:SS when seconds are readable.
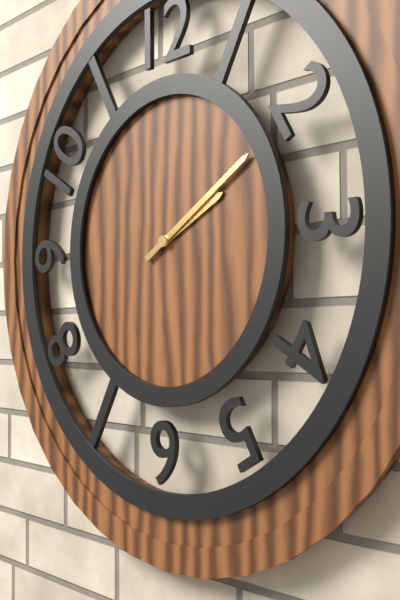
**2:10**
